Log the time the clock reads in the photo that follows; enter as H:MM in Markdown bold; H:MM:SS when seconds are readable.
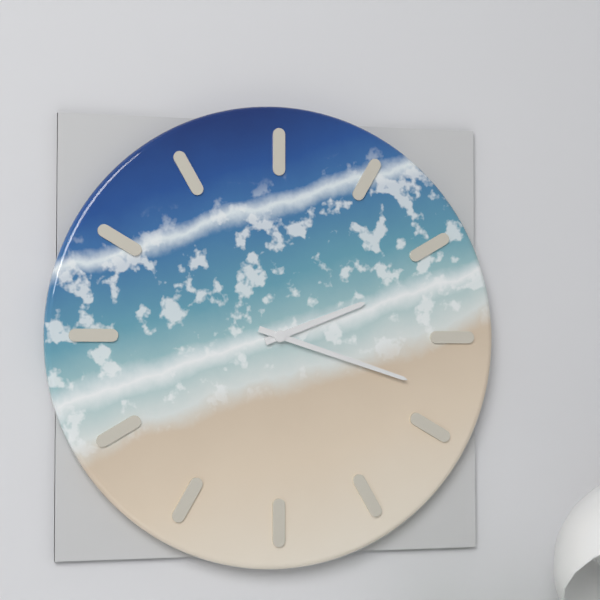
**2:18**
